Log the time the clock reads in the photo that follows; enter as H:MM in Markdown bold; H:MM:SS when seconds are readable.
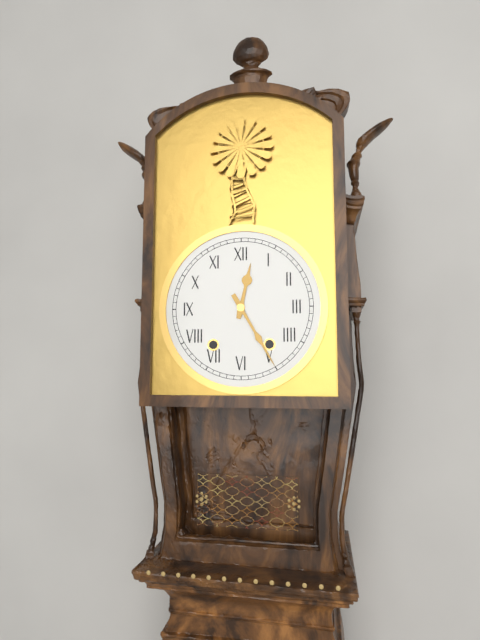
**12:25**
